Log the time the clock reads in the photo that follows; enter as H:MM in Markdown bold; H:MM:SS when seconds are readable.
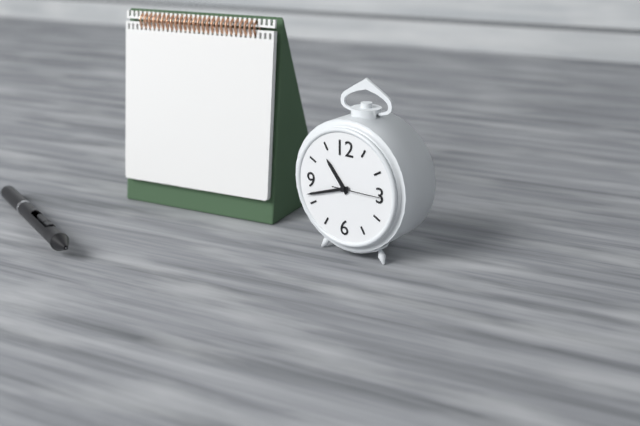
**10:42**
